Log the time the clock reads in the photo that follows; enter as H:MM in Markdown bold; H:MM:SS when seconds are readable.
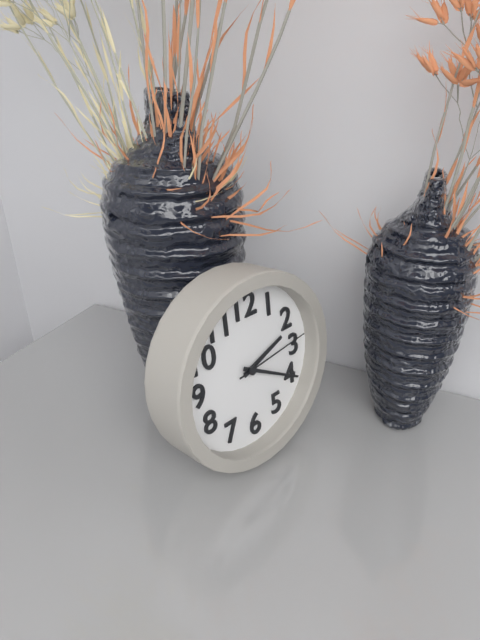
**2:20:14**
